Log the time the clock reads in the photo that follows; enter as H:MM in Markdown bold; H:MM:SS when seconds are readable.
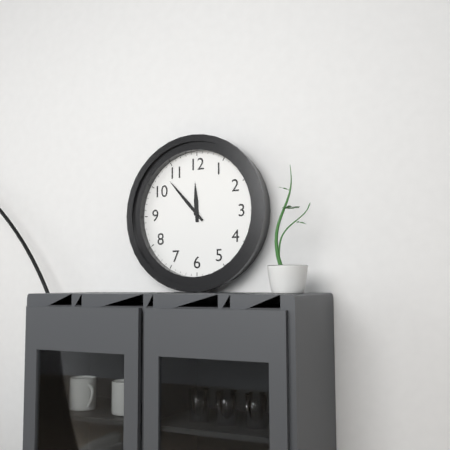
**11:53**
